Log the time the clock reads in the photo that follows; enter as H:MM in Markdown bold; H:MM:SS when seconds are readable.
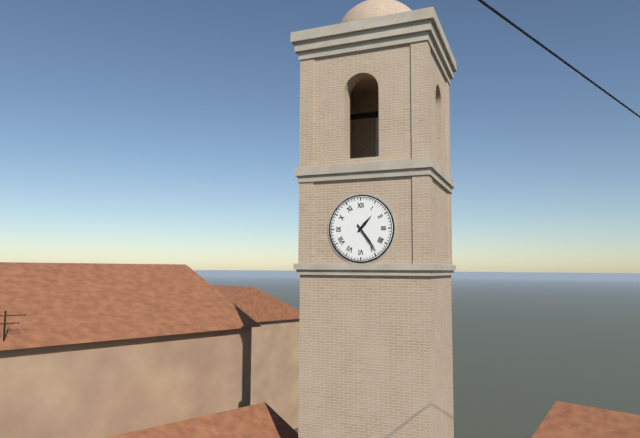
**1:24**
